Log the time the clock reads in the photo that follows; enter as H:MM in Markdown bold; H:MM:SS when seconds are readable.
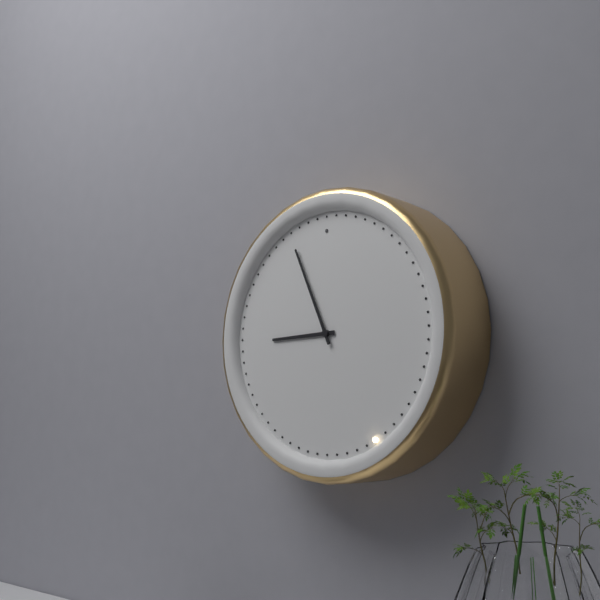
**8:56**
